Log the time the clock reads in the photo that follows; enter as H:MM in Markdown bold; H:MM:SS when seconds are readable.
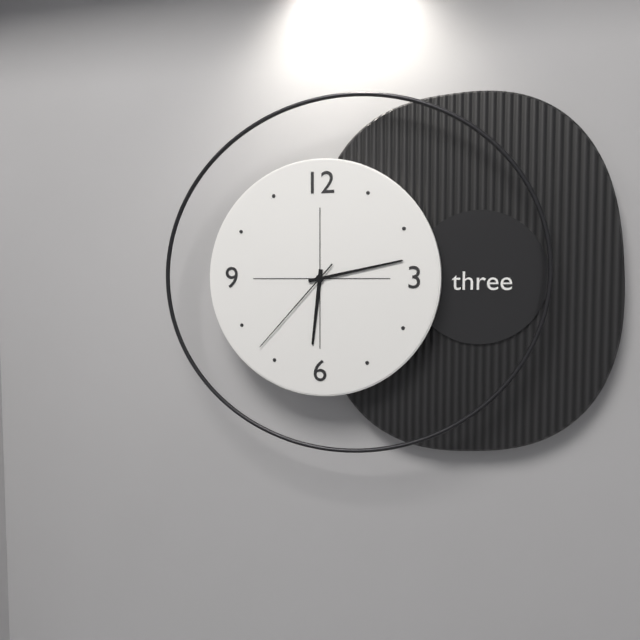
**6:13:37**
